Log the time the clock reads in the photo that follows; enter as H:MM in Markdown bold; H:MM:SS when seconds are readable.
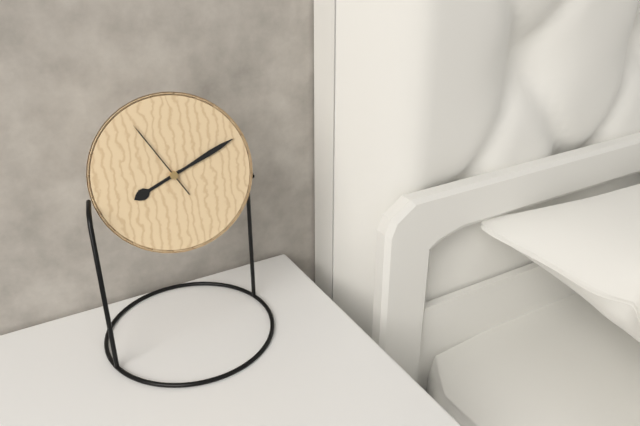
**8:11:55**
